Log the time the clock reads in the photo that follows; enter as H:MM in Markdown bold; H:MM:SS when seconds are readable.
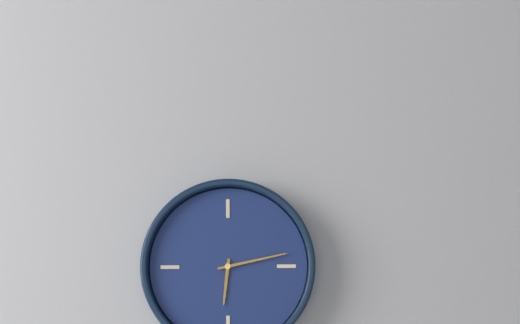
**6:13**
